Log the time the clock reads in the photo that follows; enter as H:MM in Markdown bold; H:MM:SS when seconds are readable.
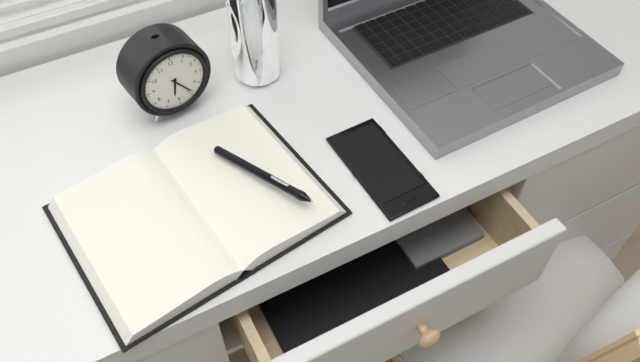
**6:24**
